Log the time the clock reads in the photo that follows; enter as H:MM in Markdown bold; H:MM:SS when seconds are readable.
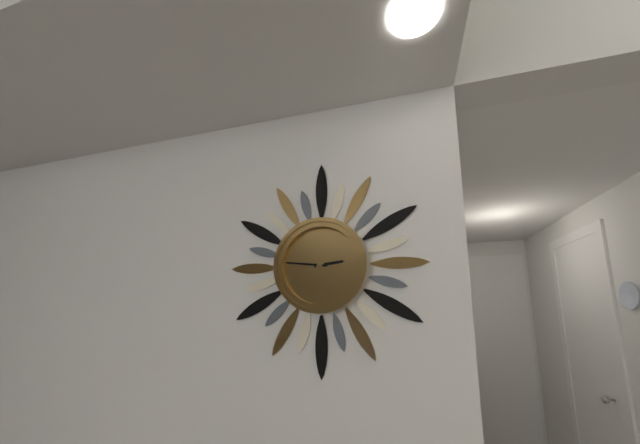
**2:46**
